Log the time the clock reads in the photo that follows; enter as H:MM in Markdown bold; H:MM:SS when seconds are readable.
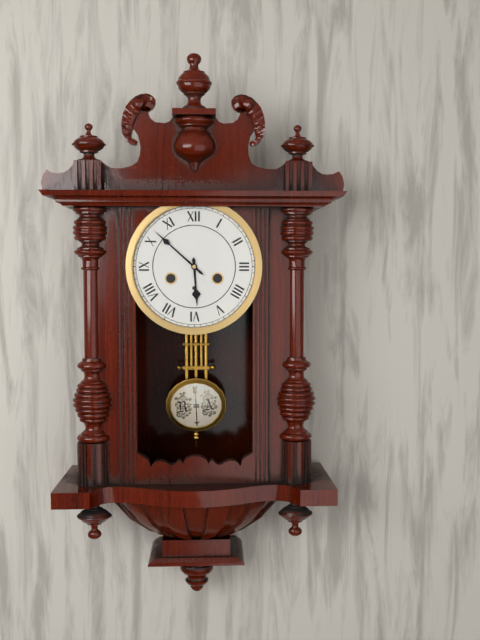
**5:52**
